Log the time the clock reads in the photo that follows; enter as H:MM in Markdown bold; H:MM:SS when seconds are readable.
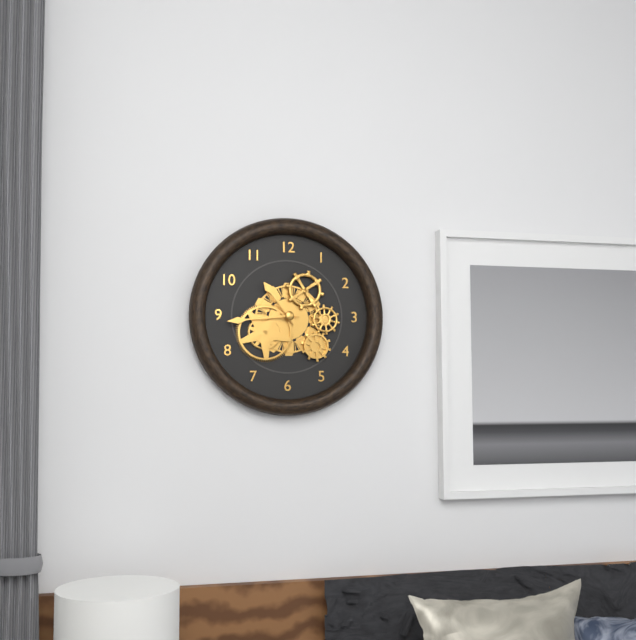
**10:44**
